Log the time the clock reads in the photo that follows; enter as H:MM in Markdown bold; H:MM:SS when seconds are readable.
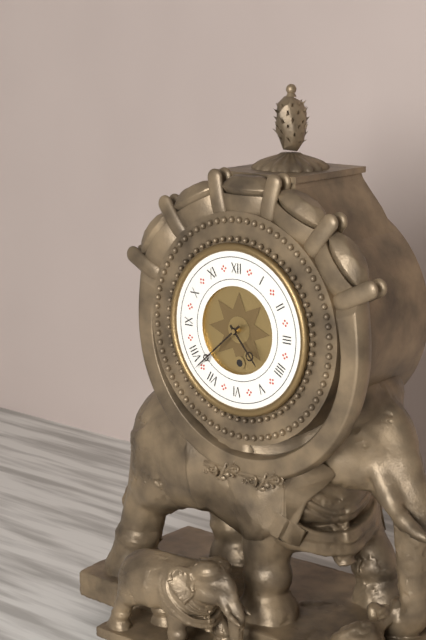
**4:38**
